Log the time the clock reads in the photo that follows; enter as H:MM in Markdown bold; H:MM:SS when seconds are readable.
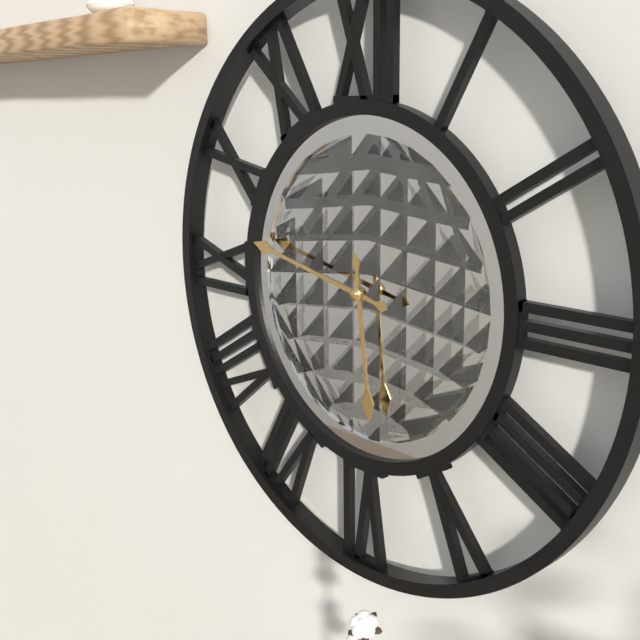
**5:47**
